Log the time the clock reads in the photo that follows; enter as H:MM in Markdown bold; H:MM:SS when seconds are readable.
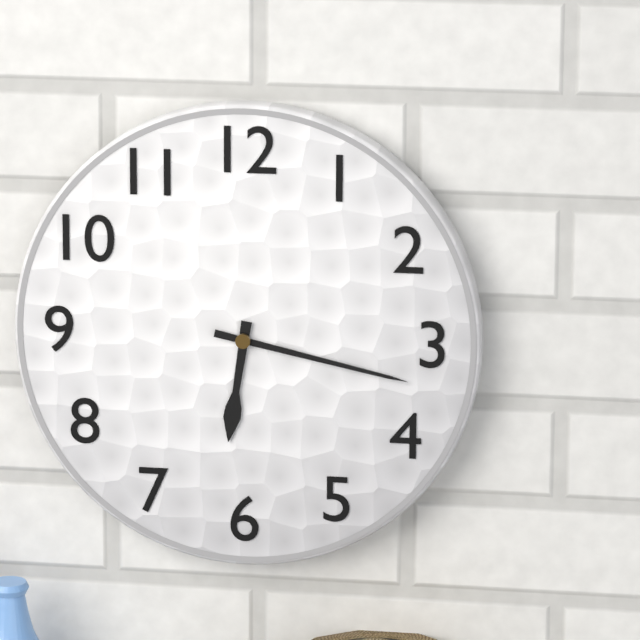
**6:17**
